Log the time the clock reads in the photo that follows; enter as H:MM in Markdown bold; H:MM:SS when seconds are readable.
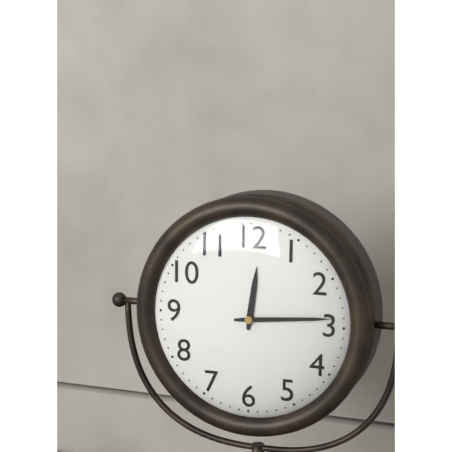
**12:14**
